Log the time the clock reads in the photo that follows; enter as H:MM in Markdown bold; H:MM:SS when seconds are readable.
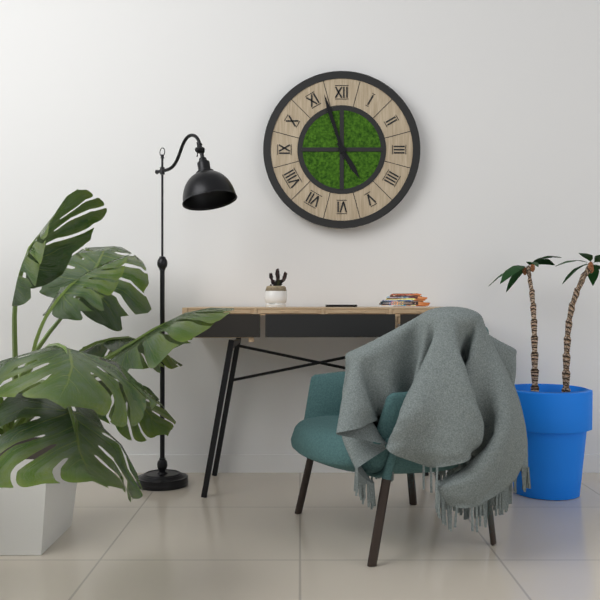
**4:57**
